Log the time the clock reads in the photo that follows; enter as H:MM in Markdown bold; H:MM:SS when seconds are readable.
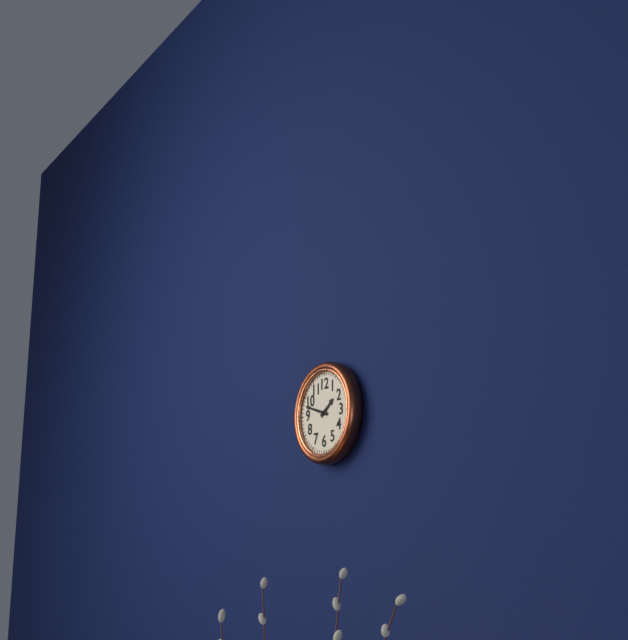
**1:48**
